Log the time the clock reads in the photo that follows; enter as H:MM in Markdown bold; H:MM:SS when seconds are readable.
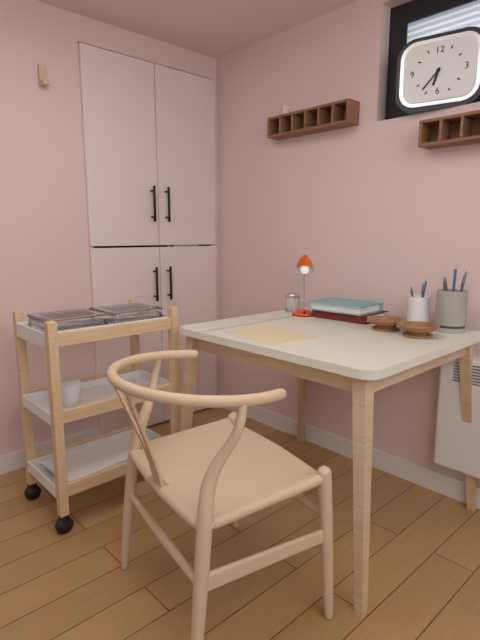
**6:37**
